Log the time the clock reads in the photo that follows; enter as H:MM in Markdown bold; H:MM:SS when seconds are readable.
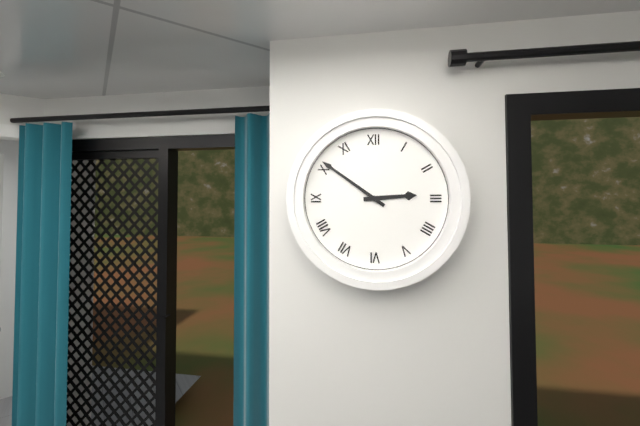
**2:51**
